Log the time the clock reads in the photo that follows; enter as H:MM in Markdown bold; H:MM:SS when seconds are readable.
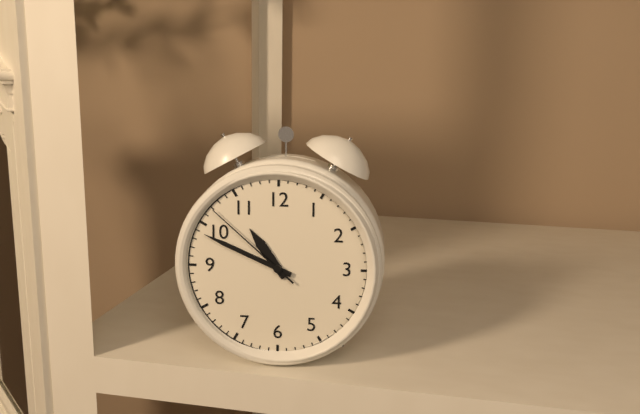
**10:49:52**
